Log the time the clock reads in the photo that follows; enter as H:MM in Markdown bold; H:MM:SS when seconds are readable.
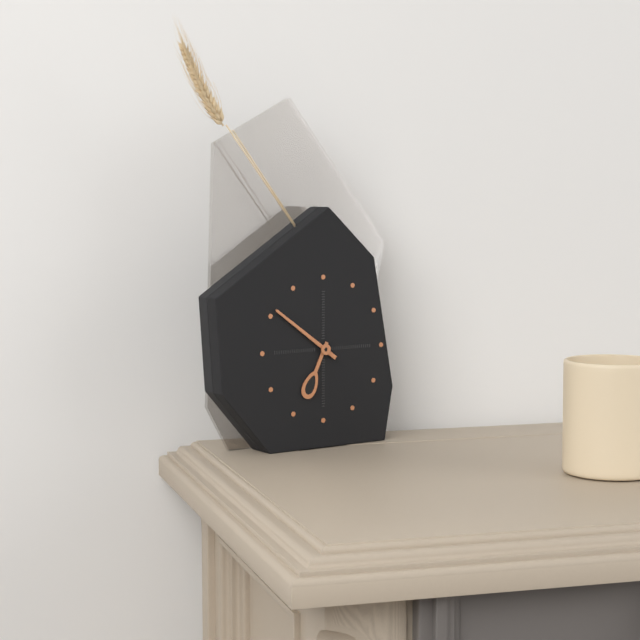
**6:51**
